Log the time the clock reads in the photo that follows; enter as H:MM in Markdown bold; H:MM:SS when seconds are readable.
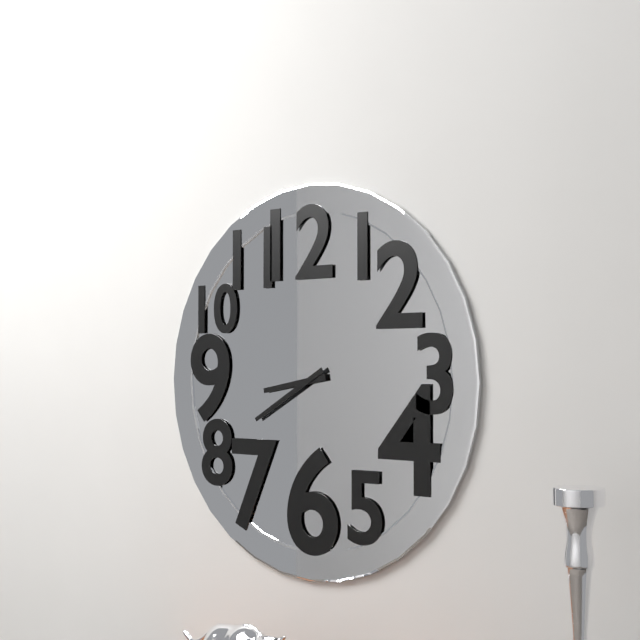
**8:40**
